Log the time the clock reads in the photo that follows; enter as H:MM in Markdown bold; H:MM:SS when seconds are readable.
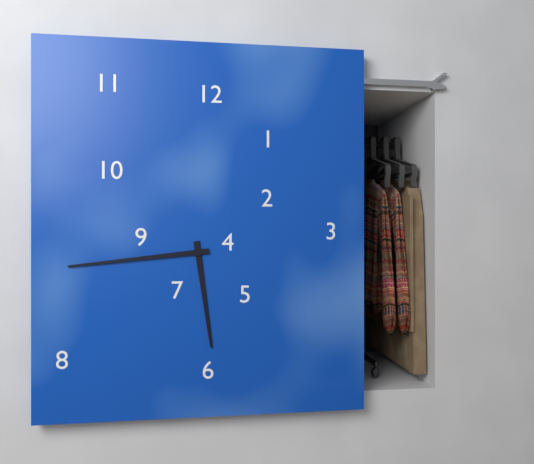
**5:44**
